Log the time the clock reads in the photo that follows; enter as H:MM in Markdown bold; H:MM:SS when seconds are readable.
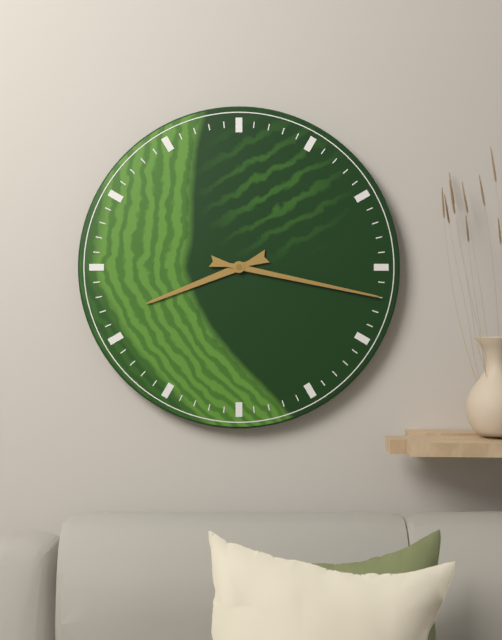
**8:17**
